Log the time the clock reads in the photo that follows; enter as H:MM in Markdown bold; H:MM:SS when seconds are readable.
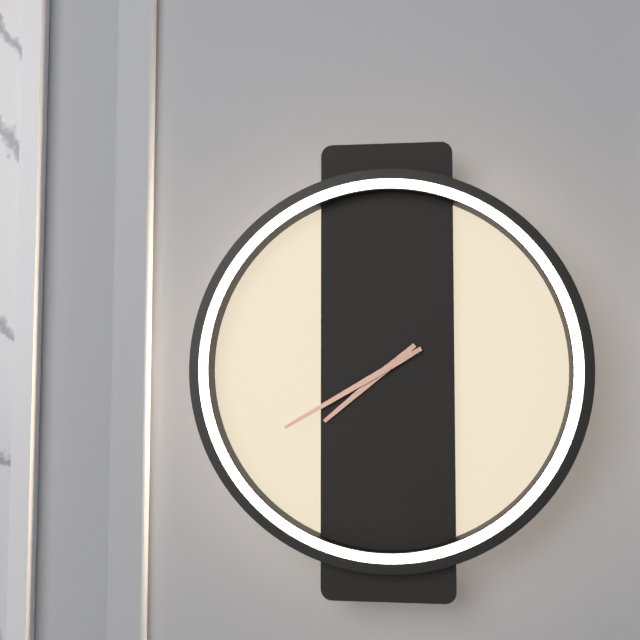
**7:40**
